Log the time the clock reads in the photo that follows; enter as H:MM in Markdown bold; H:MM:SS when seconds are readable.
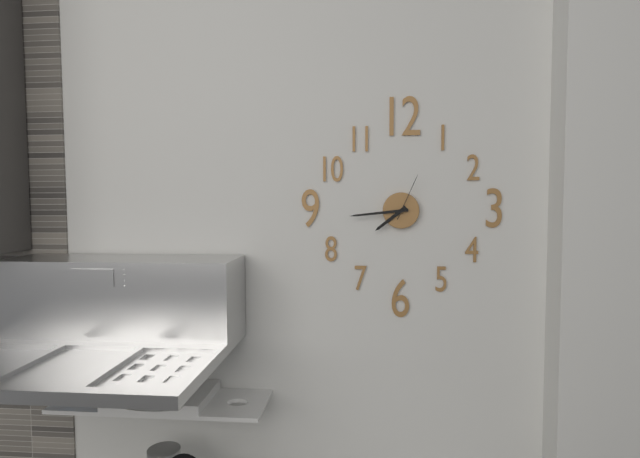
**7:44:04**
